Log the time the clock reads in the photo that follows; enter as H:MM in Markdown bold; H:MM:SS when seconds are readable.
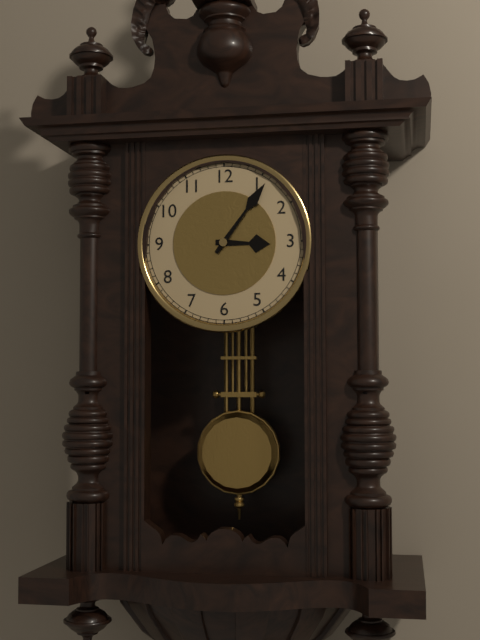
**3:06**
